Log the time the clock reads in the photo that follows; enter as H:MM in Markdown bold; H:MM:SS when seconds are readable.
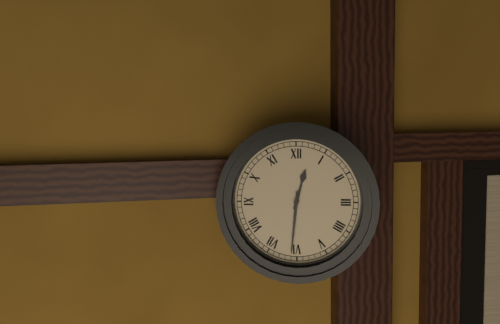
**12:31**
